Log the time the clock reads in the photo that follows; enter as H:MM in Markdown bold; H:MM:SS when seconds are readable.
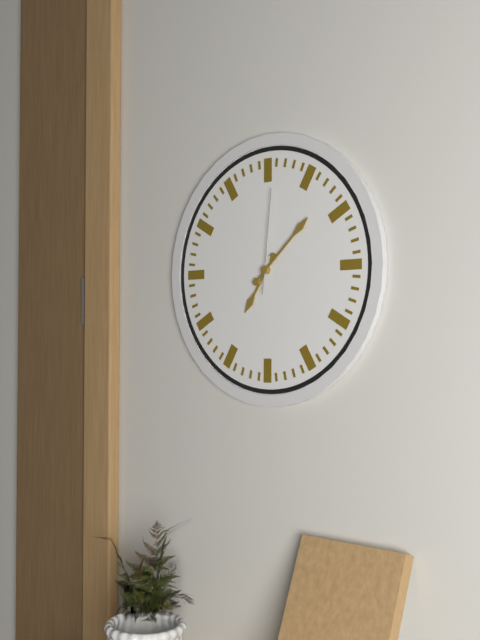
**7:08:01**
